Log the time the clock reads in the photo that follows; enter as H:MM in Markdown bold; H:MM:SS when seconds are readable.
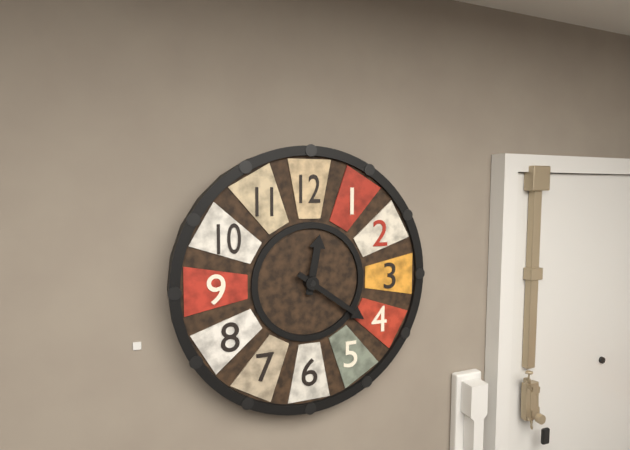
**12:21**
